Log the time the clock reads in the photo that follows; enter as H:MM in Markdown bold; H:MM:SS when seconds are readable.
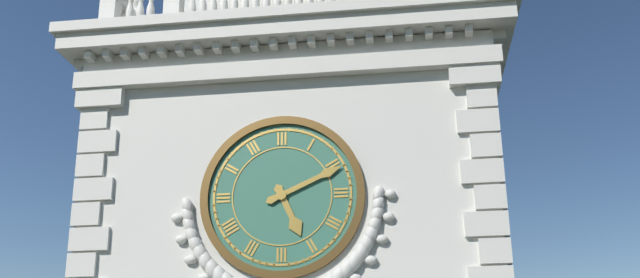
**5:11**
